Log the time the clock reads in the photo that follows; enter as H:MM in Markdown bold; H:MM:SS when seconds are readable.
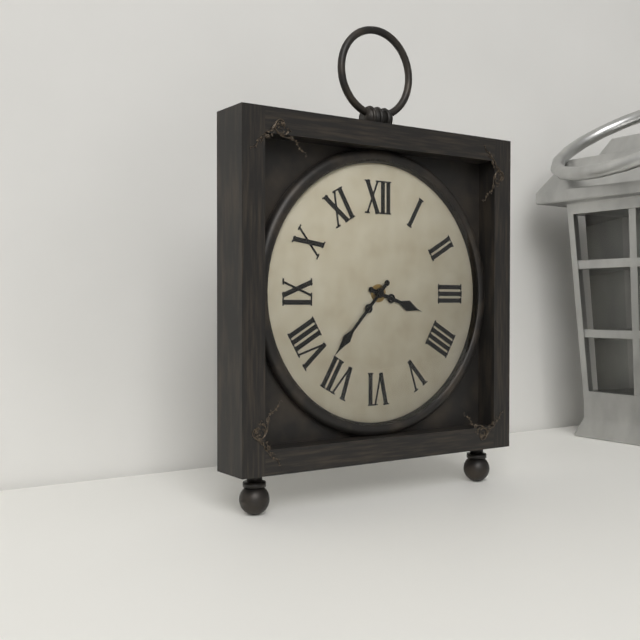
**3:37**
